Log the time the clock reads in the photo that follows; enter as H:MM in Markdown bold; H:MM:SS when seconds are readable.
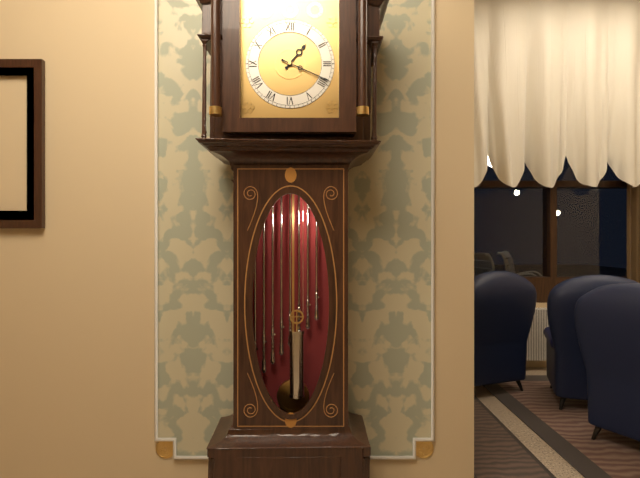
**1:19**
